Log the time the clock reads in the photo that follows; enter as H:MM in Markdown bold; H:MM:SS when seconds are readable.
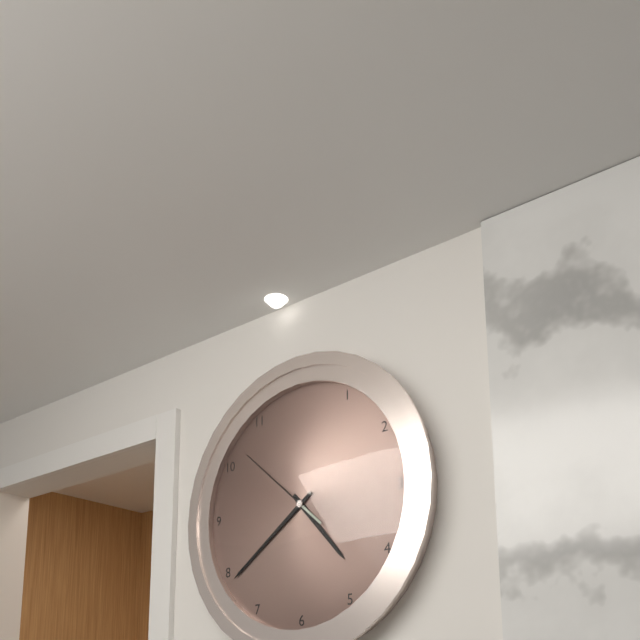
**4:39:52**
